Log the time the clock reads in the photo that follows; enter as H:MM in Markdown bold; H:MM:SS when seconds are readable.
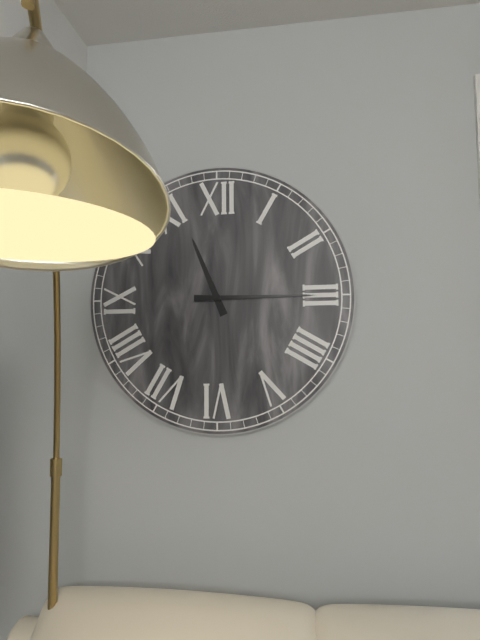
**11:15**
